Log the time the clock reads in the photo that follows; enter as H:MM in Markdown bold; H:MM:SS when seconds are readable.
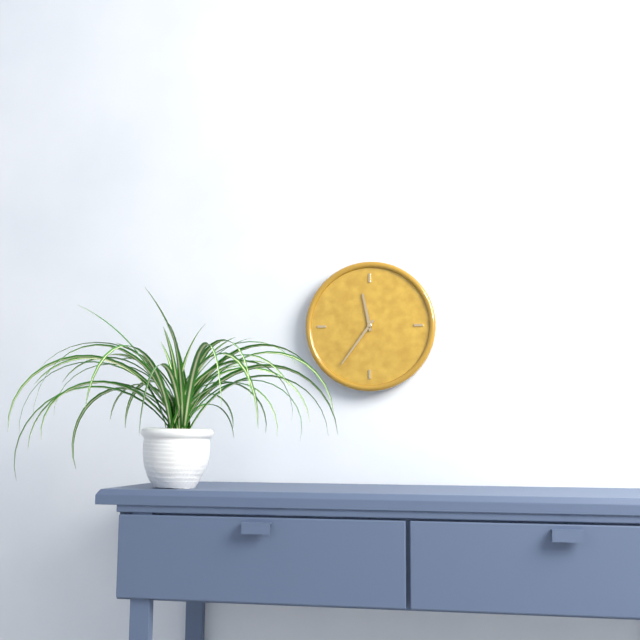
**11:36**
